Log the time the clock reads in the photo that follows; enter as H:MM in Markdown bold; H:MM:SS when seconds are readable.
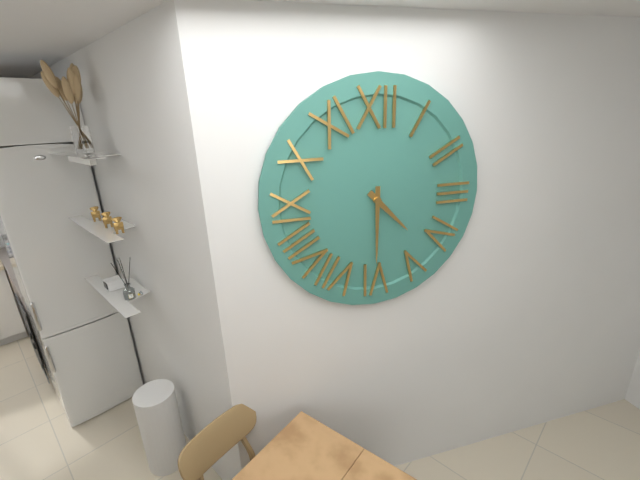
**4:30**
